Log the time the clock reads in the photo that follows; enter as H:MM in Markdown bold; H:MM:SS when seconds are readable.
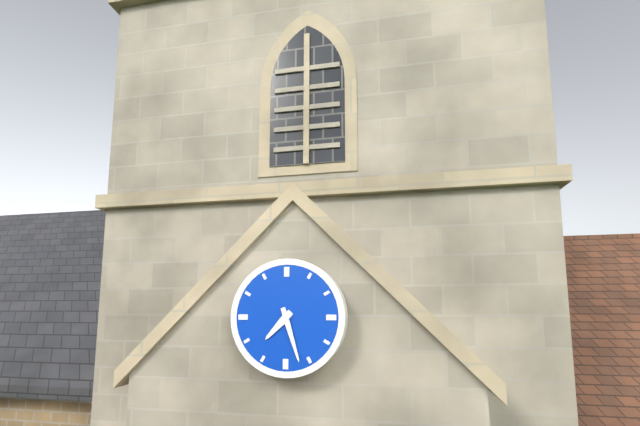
**7:27**
